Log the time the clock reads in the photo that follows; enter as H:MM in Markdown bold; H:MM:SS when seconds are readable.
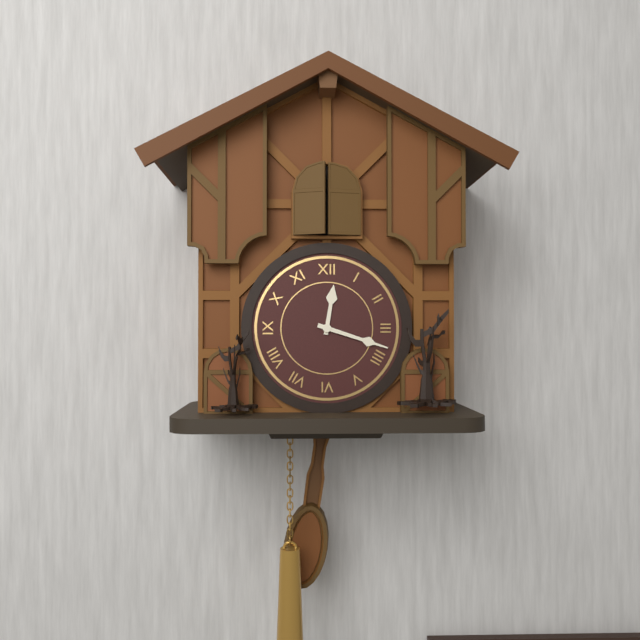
**12:18**
